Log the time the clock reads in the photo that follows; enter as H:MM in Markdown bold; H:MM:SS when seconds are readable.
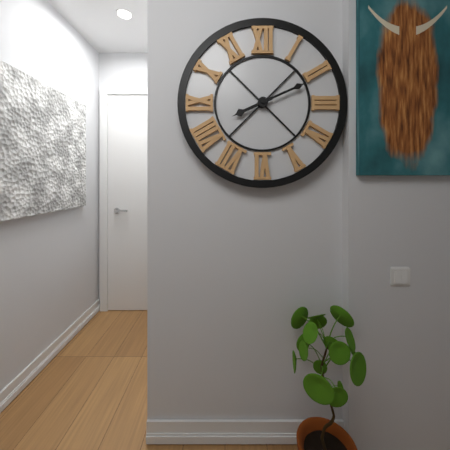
**8:11**
